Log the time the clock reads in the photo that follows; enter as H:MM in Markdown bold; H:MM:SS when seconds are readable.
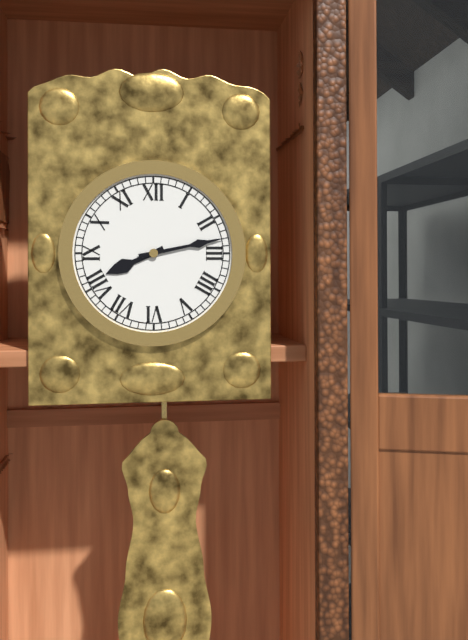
**8:13**
